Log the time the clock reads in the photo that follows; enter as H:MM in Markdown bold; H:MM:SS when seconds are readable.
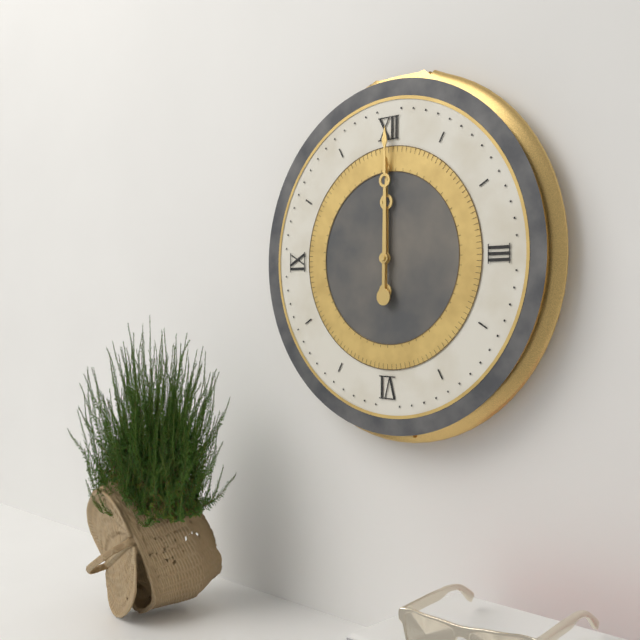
**12:00**
